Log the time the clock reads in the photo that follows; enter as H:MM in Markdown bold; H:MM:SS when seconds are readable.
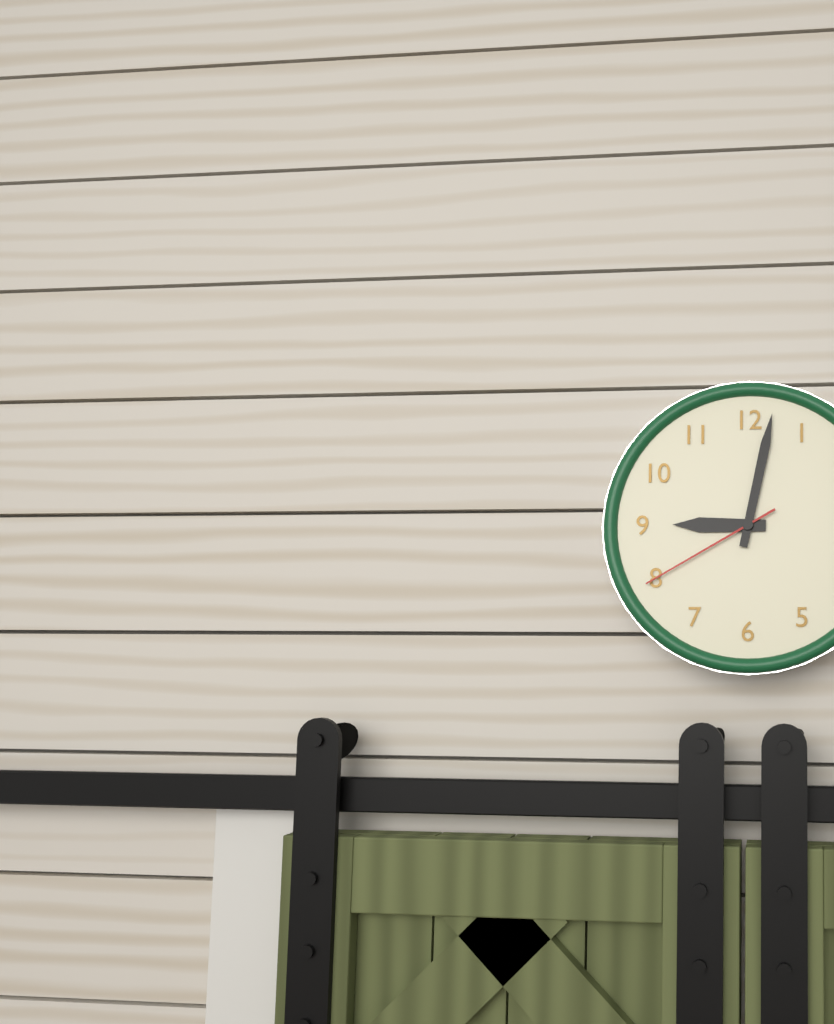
**9:02:40**
